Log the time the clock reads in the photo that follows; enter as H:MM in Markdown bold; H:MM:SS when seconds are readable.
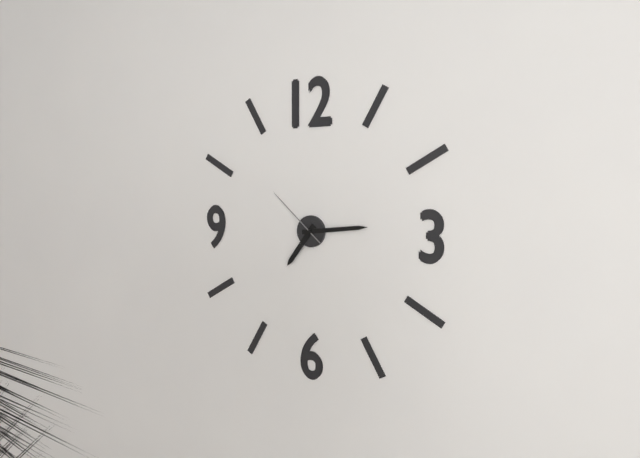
**7:14:52**
